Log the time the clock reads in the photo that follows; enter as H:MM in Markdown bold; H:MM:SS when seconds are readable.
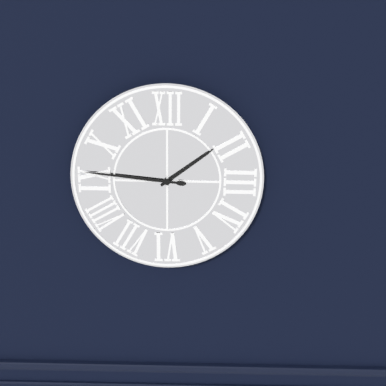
**1:46**
